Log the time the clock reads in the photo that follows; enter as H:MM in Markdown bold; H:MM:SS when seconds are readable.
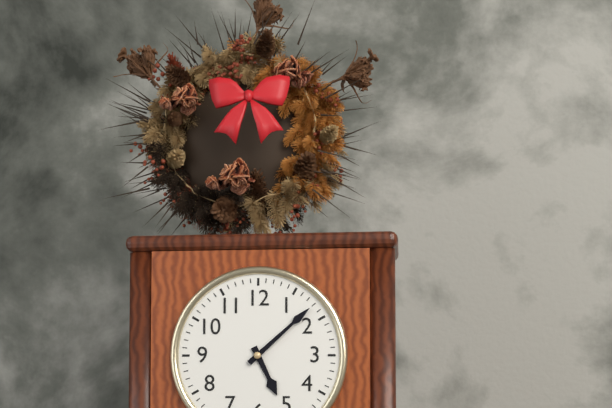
**5:08**
